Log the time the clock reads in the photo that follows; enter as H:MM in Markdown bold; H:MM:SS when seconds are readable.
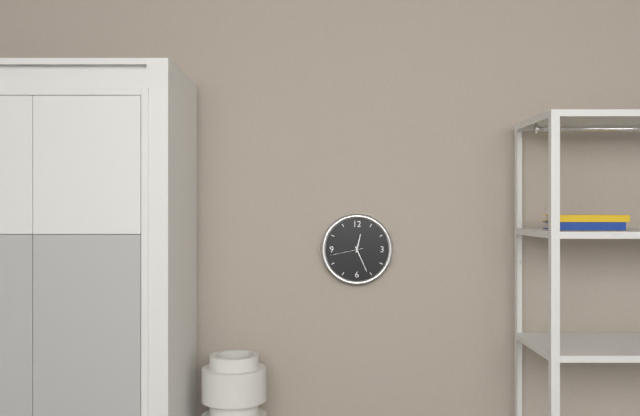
**12:26**
